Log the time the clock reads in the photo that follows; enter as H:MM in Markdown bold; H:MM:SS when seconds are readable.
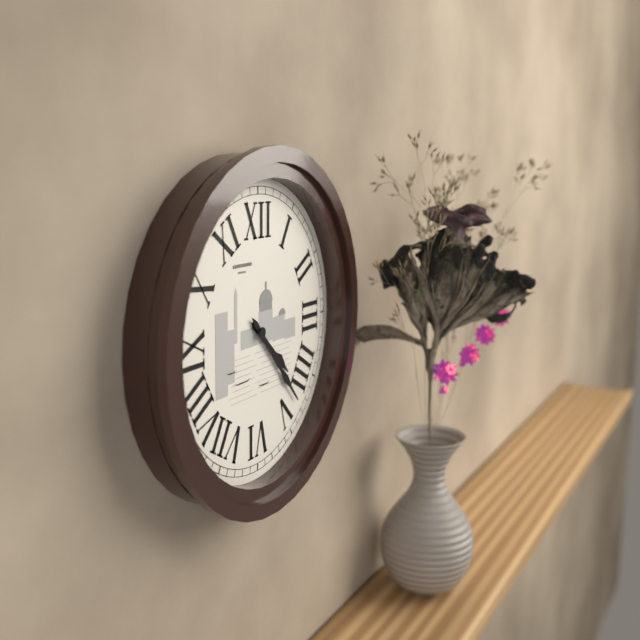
**4:23**
